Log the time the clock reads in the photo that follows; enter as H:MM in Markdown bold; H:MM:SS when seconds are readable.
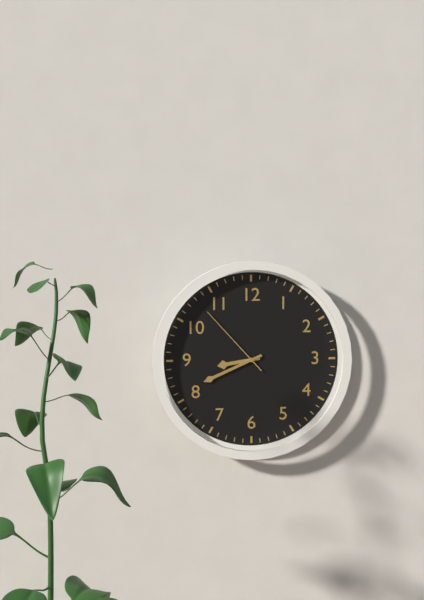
**8:41:53**
